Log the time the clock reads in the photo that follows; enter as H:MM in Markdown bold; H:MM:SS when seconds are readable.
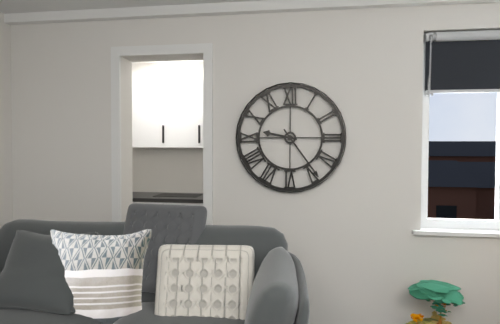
**9:24**
